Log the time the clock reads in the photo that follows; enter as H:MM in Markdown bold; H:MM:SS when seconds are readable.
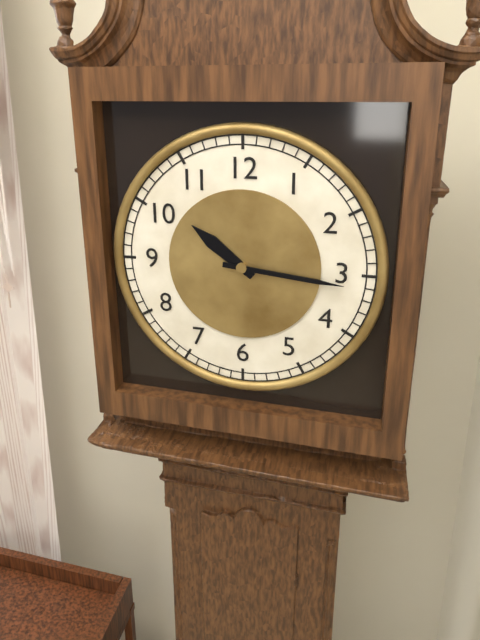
**10:16**
